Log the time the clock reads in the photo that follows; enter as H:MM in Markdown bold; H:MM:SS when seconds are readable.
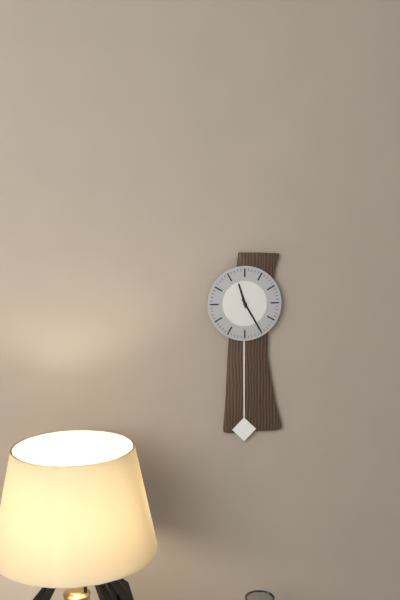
**11:25**
